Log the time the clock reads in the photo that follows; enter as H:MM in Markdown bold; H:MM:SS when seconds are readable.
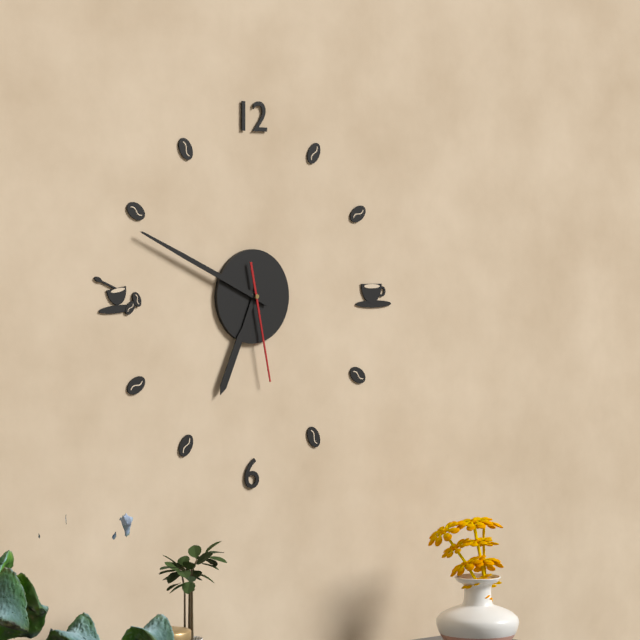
**6:49:28**
